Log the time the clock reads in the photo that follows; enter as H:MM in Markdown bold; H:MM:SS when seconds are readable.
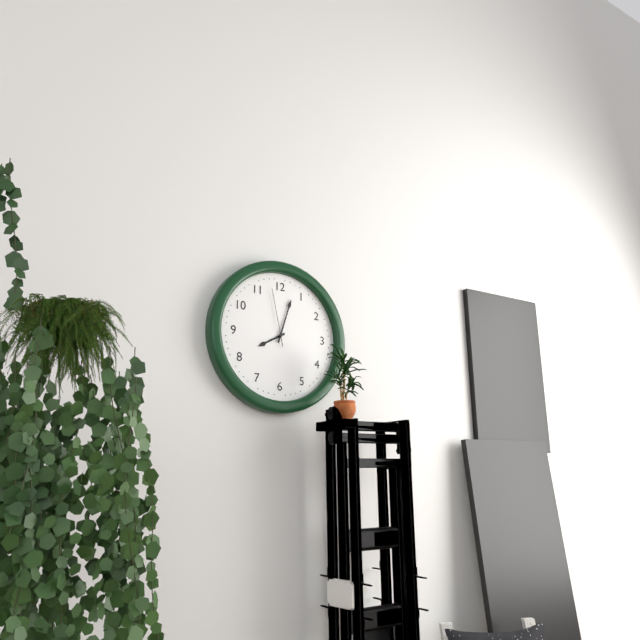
**8:03:58**
